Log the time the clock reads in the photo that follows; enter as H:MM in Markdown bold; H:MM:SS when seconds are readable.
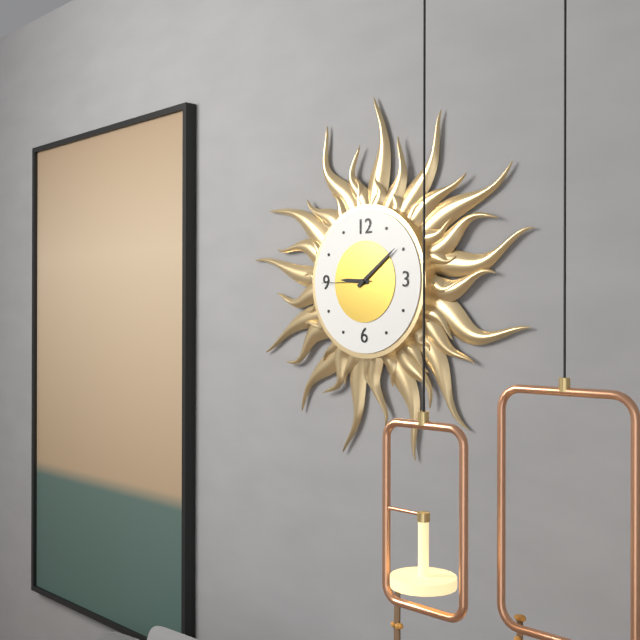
**9:09:45**
